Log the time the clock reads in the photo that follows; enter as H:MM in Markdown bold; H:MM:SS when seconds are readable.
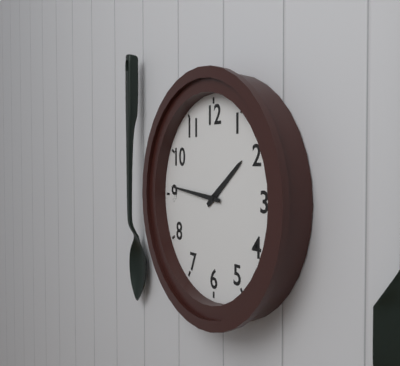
**1:46**
